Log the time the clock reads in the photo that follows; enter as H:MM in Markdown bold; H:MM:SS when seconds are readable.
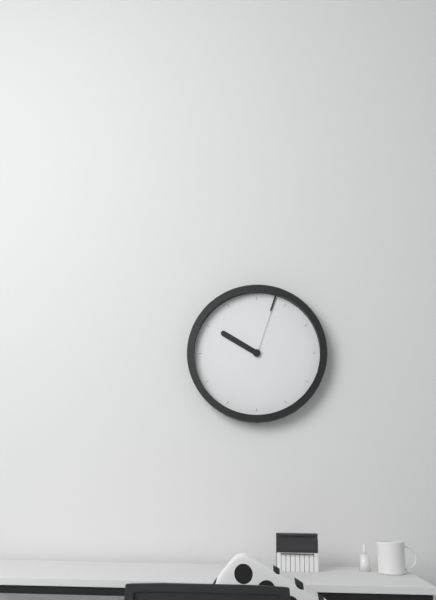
**10:03**
